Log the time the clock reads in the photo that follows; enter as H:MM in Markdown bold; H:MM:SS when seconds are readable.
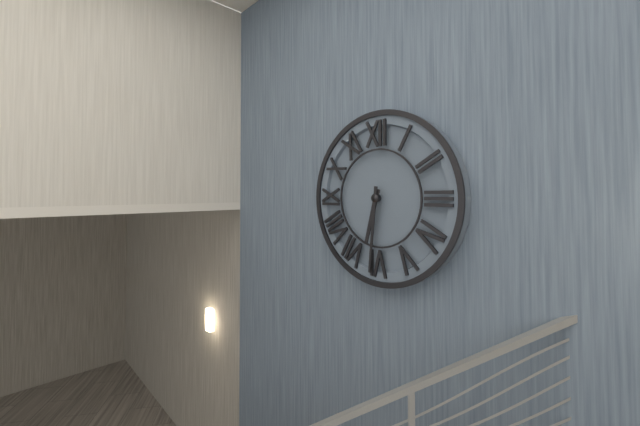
**6:31**
